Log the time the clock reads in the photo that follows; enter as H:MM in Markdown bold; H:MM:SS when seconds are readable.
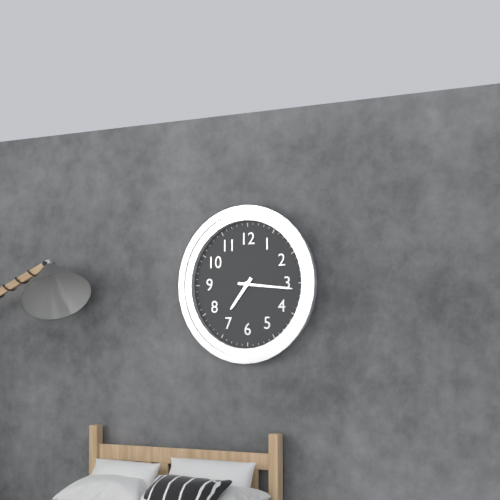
**7:16**
